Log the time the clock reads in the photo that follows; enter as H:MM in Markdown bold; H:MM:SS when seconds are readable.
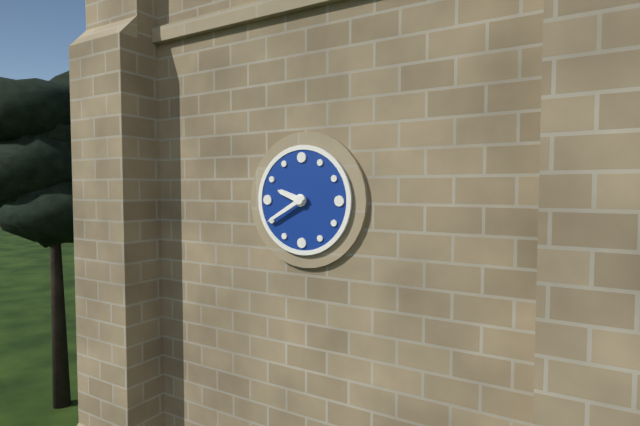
**9:40**
